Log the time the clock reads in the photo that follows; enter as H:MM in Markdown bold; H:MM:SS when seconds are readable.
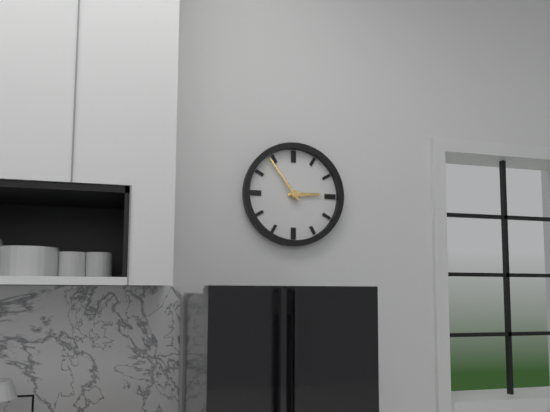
**2:54**
